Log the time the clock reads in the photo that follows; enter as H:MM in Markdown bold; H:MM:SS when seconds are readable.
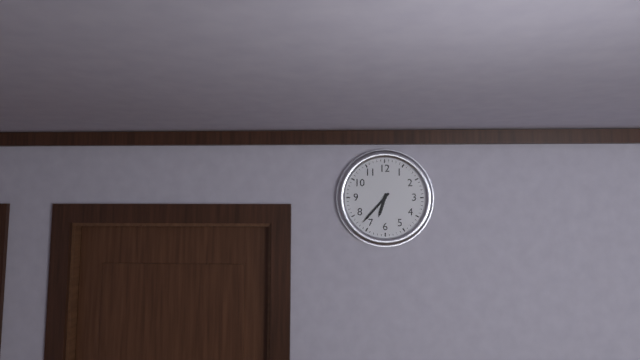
**6:37**
